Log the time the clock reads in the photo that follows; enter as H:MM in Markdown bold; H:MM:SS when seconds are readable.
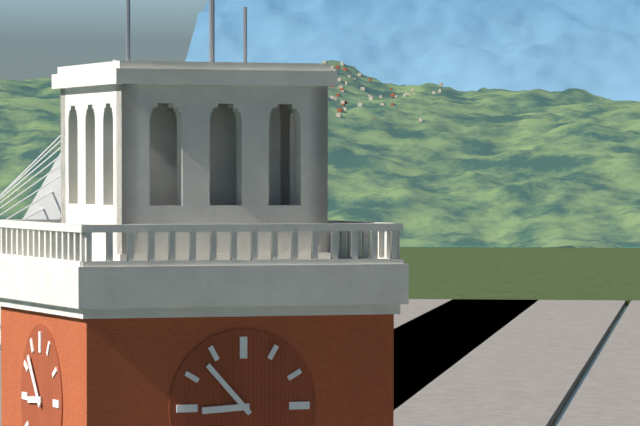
**8:53**
